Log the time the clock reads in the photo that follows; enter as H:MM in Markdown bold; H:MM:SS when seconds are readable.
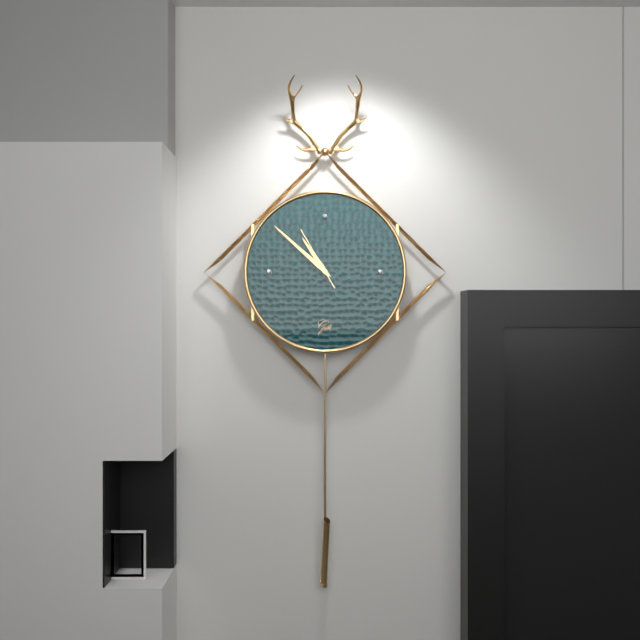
**10:52:55**
